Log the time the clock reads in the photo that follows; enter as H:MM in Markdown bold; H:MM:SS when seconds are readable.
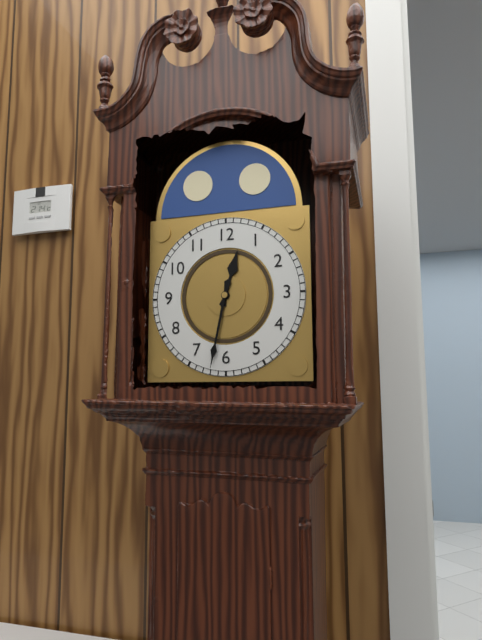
**12:32**
